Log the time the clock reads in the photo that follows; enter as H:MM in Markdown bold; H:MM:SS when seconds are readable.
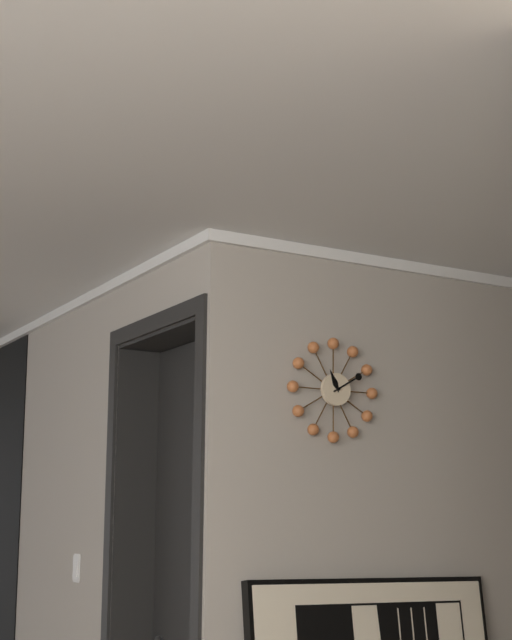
**11:10**
